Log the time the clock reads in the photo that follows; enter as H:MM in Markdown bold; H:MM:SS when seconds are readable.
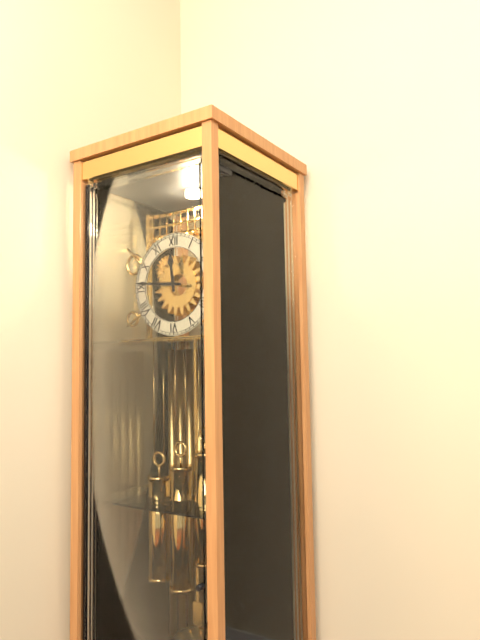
**11:46**
